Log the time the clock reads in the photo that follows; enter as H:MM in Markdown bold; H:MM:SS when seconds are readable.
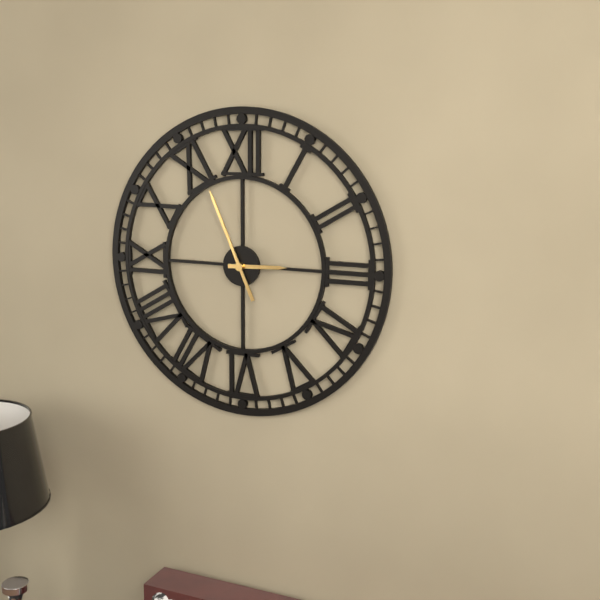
**2:56**
